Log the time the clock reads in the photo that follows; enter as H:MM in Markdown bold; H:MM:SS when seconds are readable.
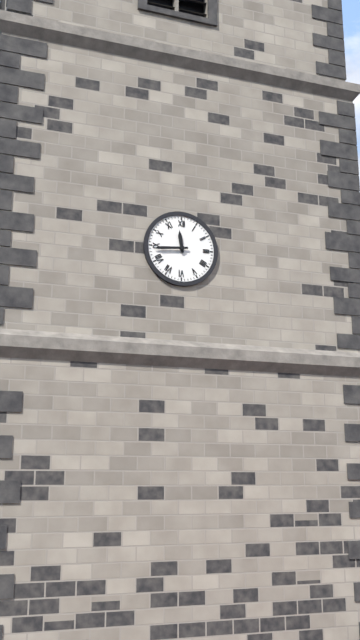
**11:44**
